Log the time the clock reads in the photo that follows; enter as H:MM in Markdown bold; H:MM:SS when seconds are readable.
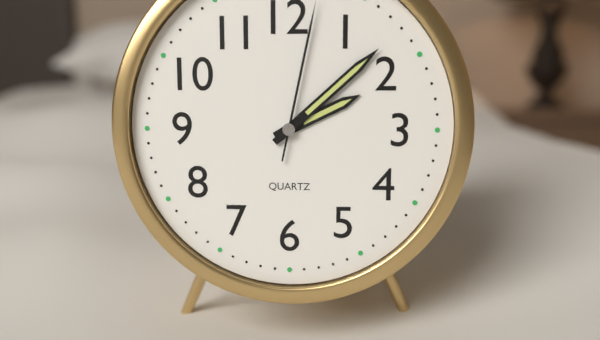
**2:08**
